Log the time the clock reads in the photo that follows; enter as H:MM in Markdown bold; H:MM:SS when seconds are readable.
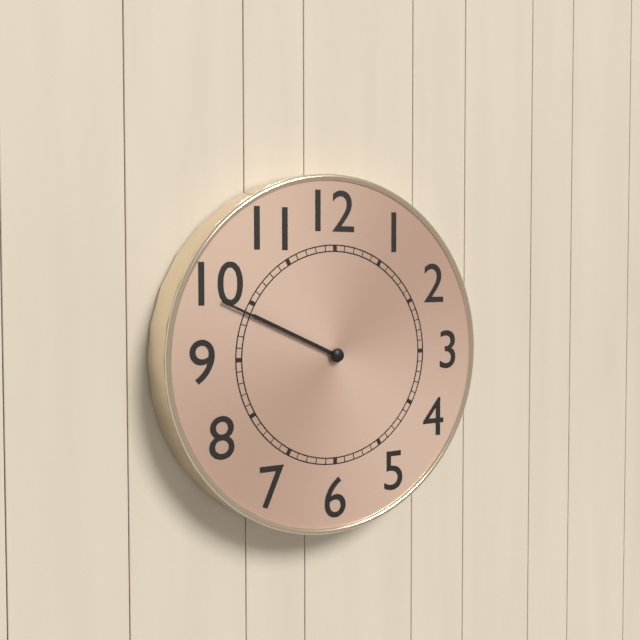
**9:49**
